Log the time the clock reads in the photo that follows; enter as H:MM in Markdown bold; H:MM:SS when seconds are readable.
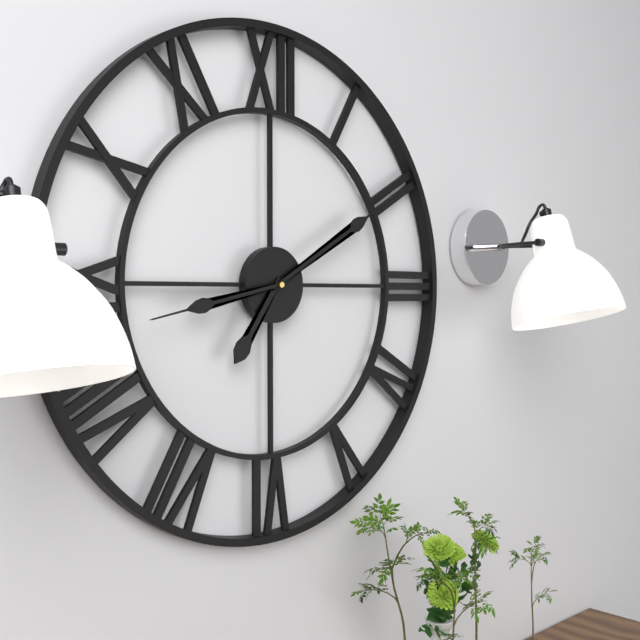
**7:10:43**
